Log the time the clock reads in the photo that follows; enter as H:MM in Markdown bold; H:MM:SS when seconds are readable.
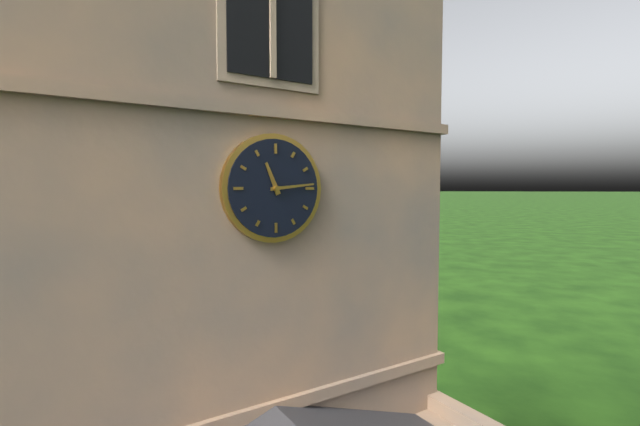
**11:14**
